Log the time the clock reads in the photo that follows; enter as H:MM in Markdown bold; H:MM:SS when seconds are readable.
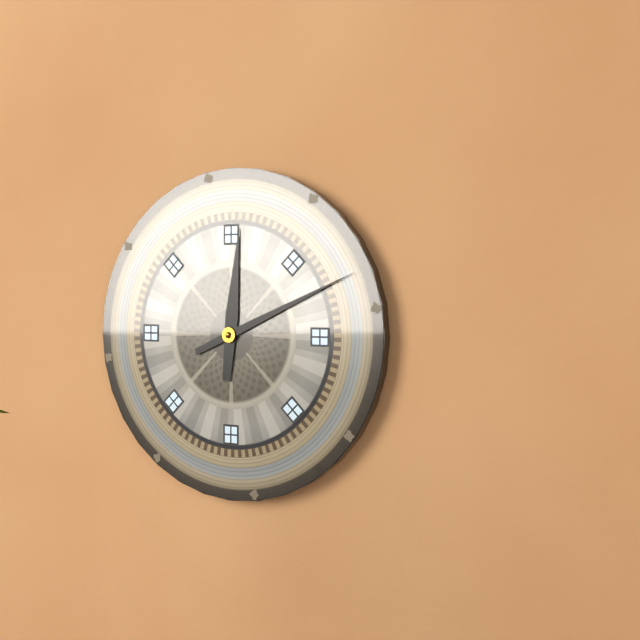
**12:11**
